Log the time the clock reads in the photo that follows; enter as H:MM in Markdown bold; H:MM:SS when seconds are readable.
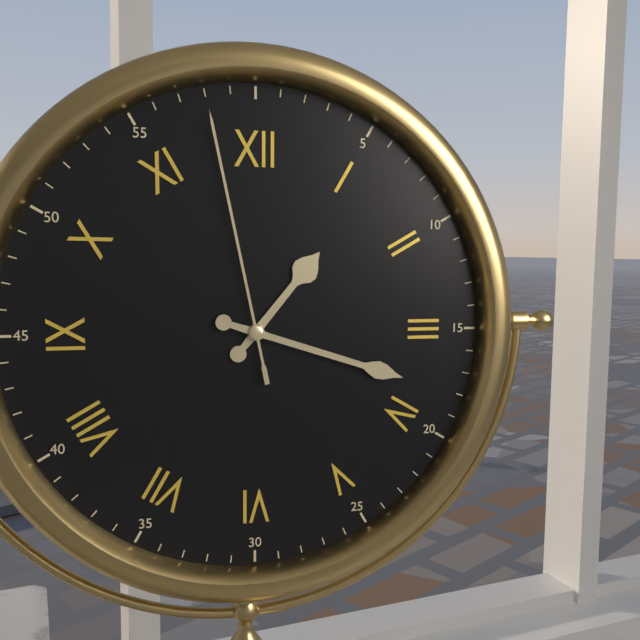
**1:18:58**
